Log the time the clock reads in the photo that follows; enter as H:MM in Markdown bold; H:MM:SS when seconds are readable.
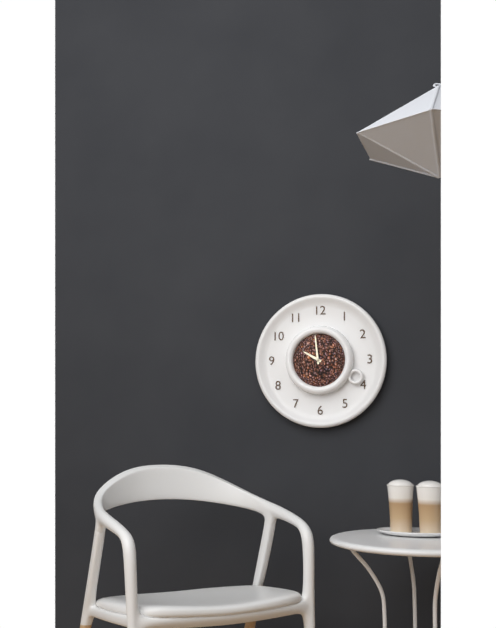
**9:59**
